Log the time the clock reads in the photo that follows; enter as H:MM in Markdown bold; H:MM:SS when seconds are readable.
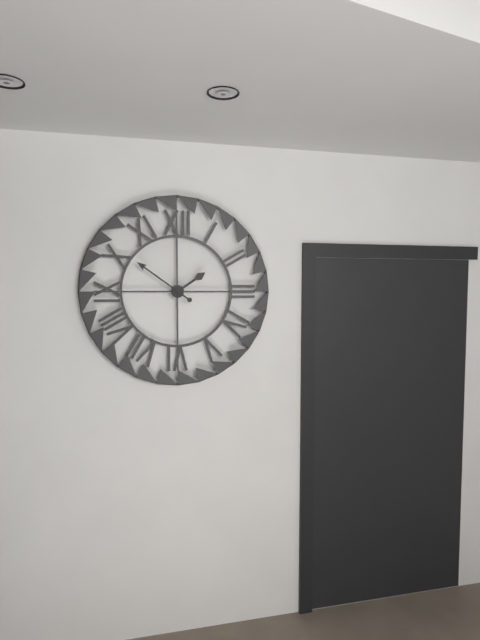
**1:51**
